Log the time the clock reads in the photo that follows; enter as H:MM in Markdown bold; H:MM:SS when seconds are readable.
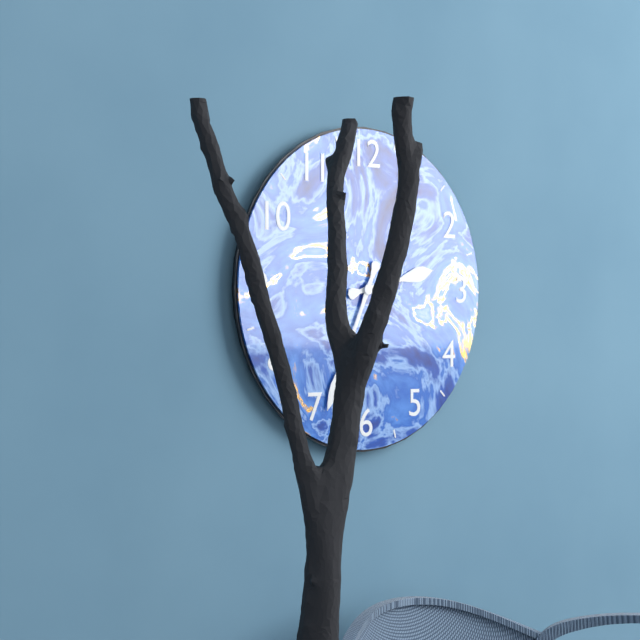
**2:34**
